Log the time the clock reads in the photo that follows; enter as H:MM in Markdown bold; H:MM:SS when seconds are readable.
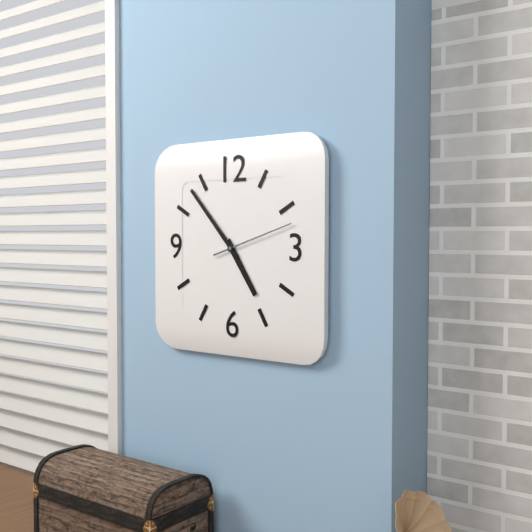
**4:53:12**
